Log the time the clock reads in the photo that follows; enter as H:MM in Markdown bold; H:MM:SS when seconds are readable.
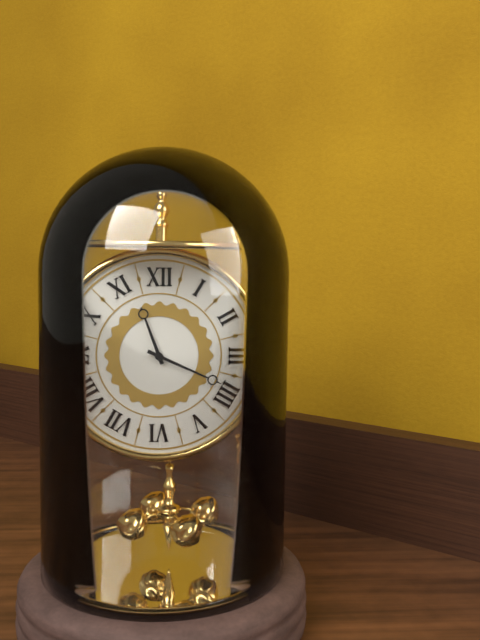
**11:19**
